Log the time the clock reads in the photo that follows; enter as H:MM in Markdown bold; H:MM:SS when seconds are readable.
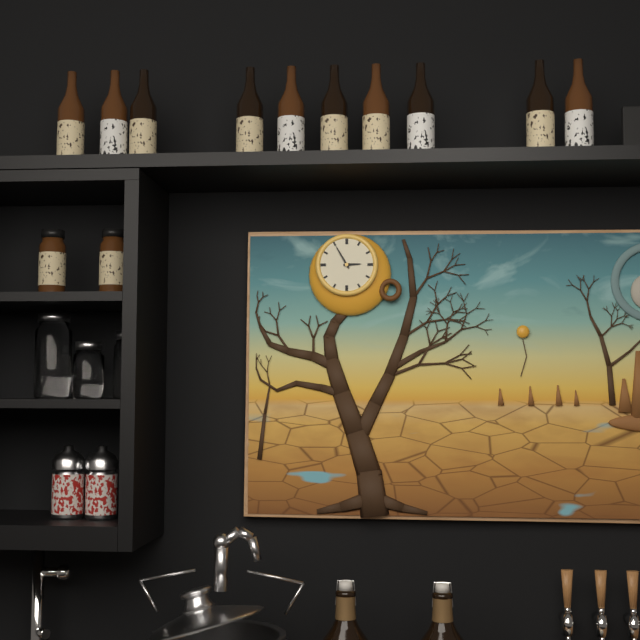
**2:55**
